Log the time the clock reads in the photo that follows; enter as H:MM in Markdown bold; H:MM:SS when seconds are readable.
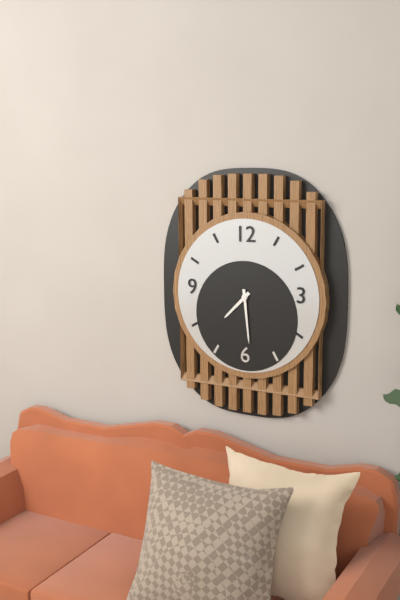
**7:29**
